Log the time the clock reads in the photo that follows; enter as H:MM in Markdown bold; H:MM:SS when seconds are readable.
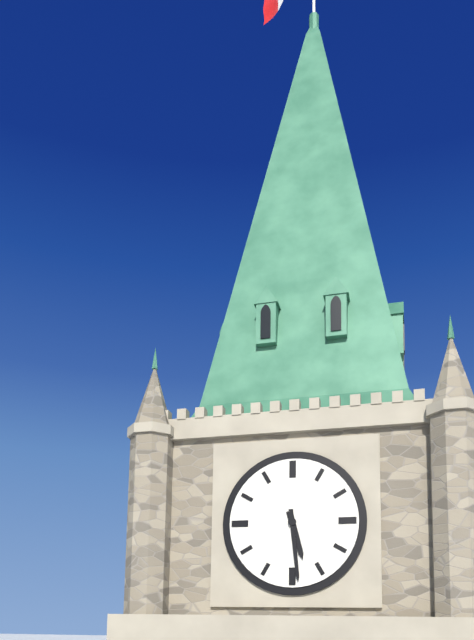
**5:29**
